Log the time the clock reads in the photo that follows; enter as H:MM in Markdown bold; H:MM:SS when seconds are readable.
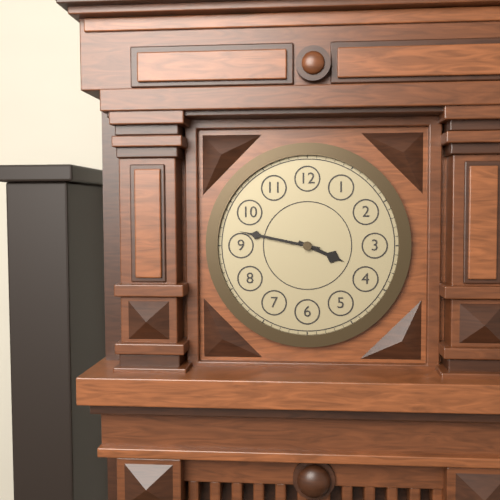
**3:47**
